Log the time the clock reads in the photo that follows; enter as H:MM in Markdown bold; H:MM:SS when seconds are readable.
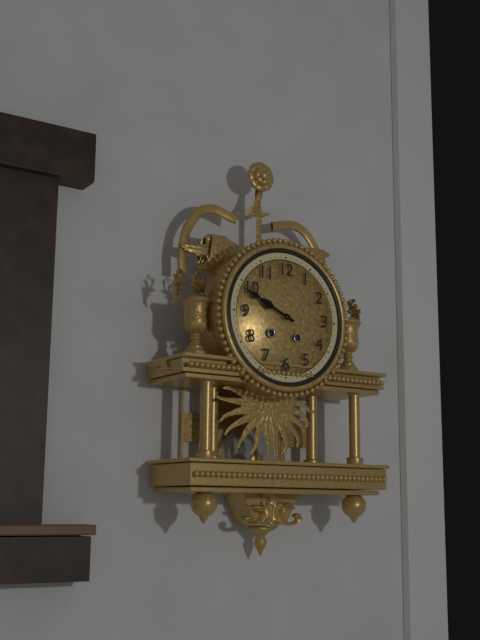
**9:49**
